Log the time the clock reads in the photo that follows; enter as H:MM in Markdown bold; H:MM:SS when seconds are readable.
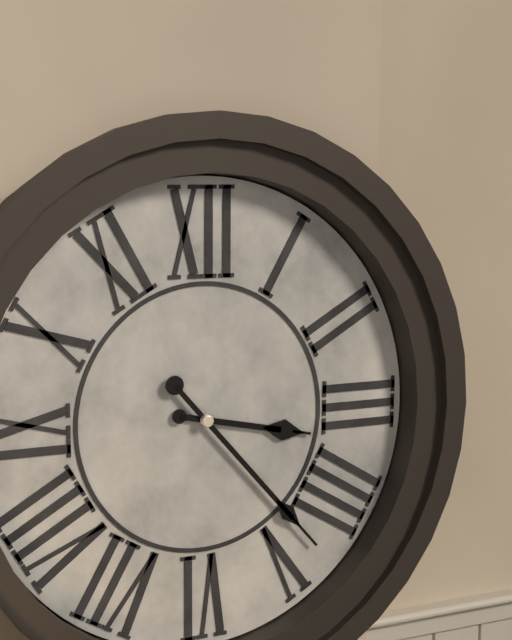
**3:23**
